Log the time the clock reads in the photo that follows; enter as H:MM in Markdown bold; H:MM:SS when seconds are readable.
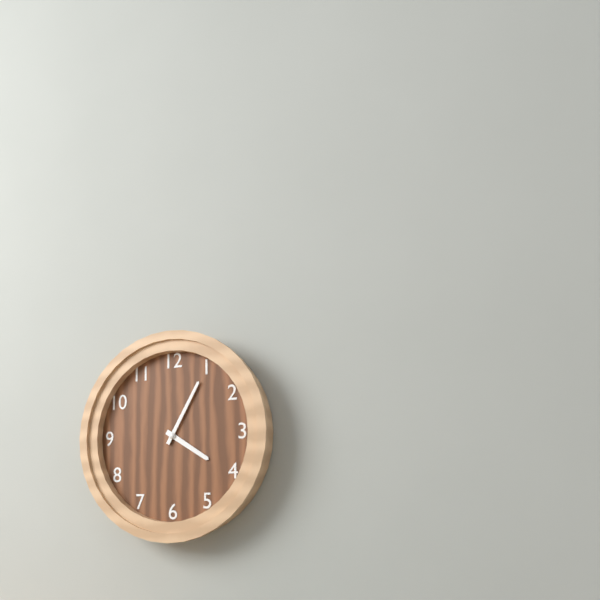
**4:05**
